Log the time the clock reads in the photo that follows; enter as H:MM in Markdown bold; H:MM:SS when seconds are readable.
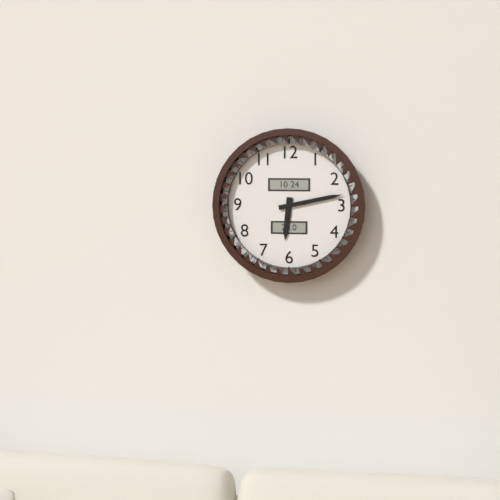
**6:13**
